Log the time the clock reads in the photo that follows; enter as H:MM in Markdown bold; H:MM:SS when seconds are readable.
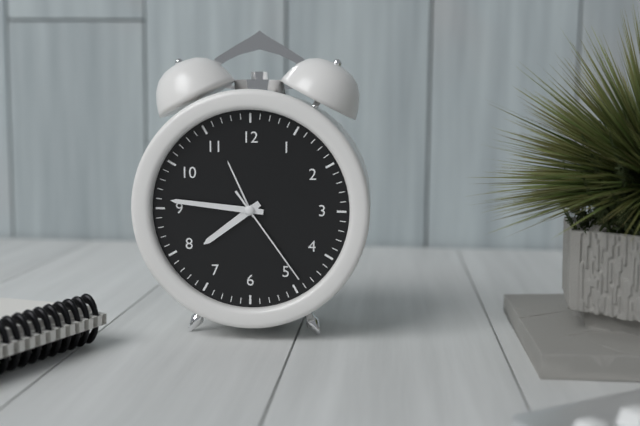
**7:46:24**
